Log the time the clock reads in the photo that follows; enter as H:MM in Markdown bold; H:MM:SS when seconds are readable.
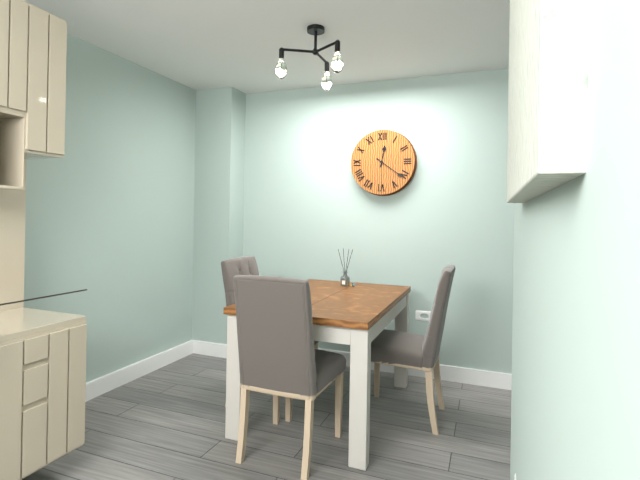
**12:21**
